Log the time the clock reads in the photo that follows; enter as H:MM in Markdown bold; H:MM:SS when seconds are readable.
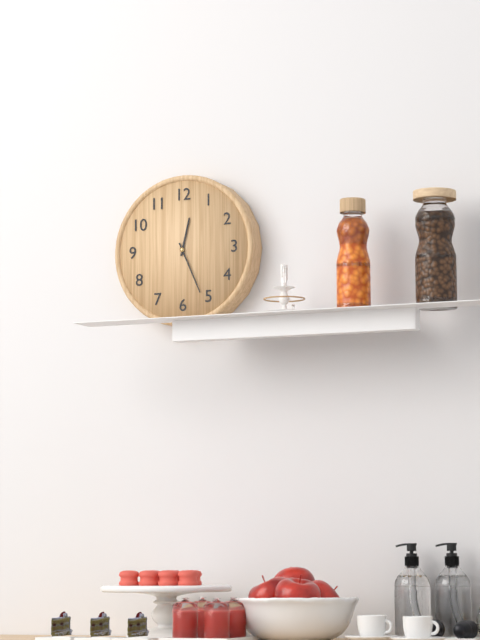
**12:26**
